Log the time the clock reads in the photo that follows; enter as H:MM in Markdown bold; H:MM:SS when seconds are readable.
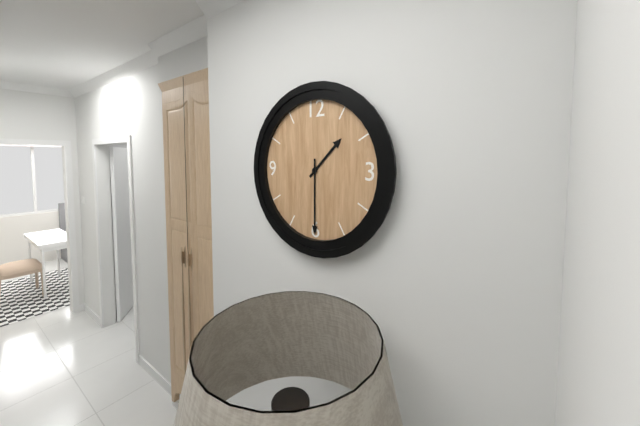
**1:30**
